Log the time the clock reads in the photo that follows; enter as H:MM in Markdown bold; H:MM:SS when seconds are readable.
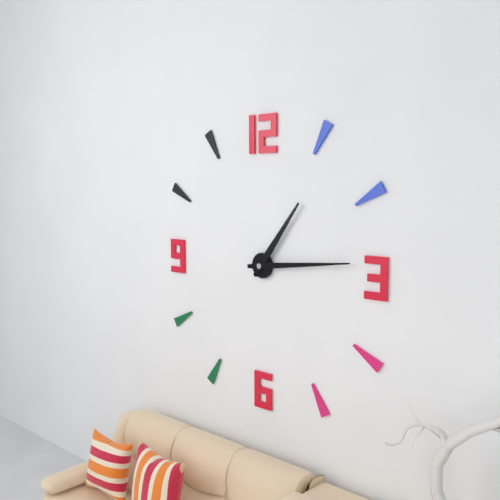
**1:14**
